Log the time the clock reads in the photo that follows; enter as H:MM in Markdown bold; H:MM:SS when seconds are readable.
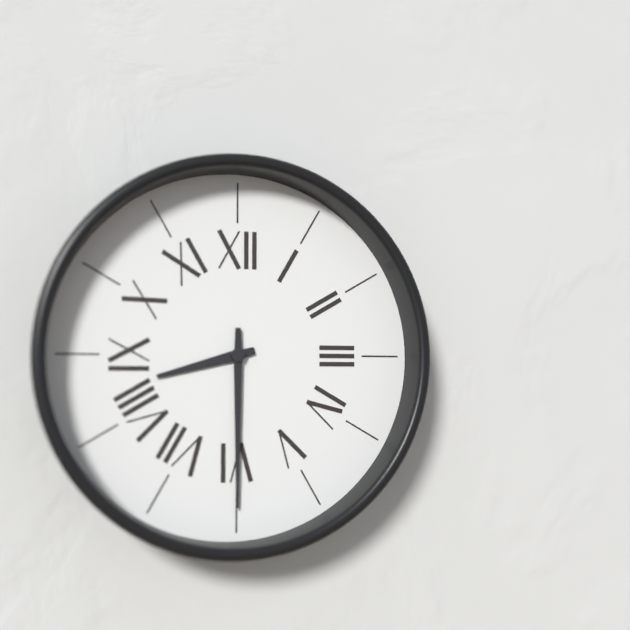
**8:30**
